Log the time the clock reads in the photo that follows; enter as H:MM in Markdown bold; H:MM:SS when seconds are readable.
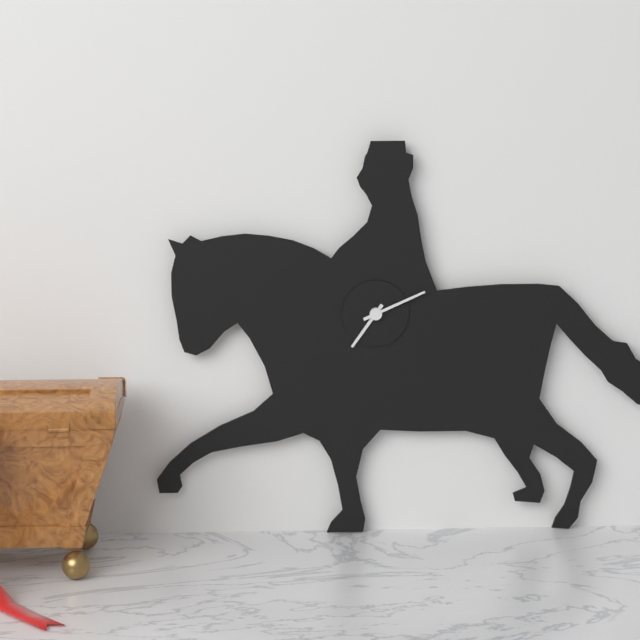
**7:11**
